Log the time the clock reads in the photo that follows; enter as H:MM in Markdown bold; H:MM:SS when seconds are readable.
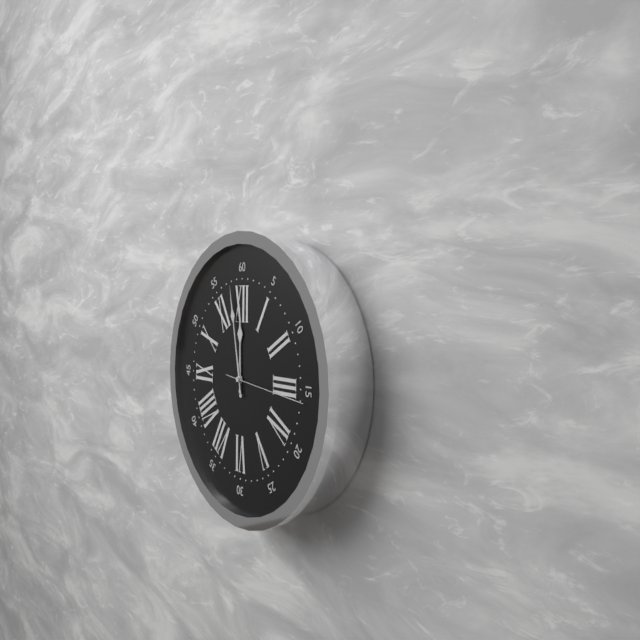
**11:58:16**
